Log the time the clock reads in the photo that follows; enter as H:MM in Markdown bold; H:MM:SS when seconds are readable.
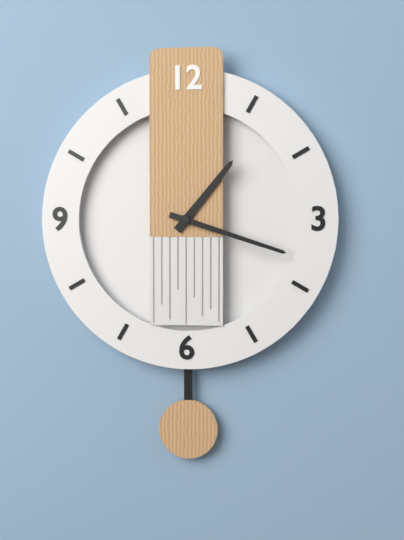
**1:18**
